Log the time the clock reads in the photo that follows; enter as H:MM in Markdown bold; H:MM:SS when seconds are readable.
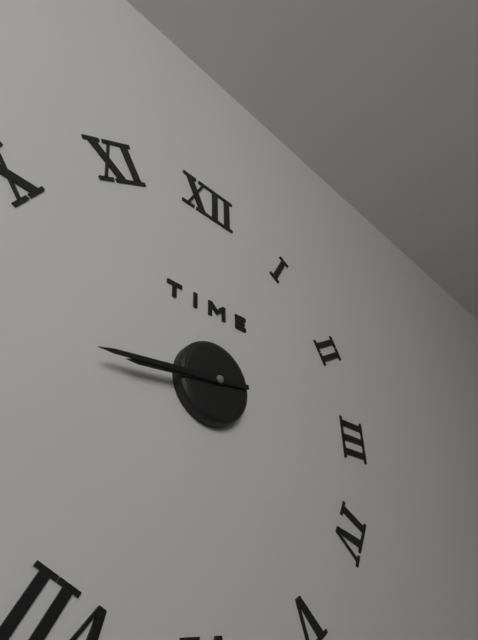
**8:44**
